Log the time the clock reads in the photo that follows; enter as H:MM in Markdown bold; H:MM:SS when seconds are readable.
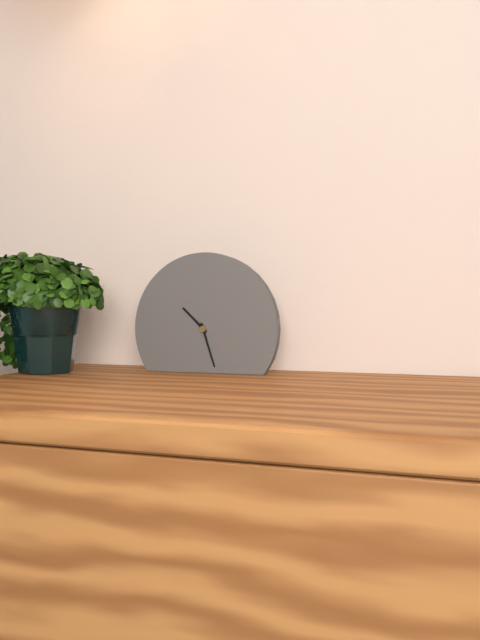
**10:27**
